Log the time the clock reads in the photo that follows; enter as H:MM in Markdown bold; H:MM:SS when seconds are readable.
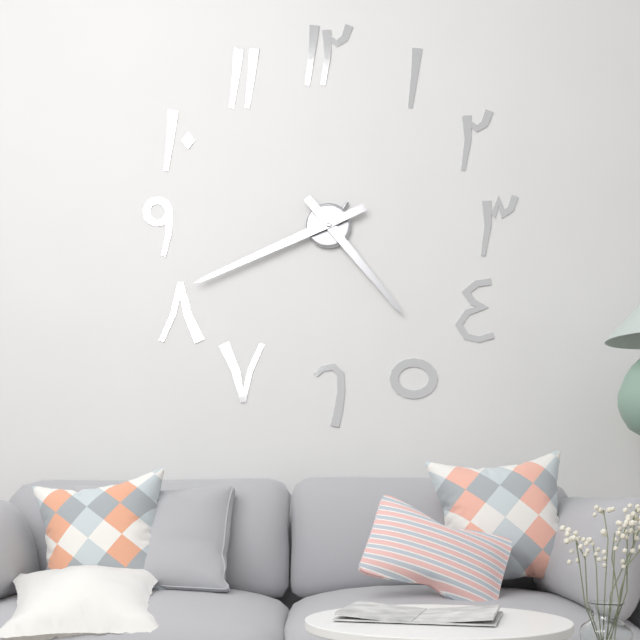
**4:41**
